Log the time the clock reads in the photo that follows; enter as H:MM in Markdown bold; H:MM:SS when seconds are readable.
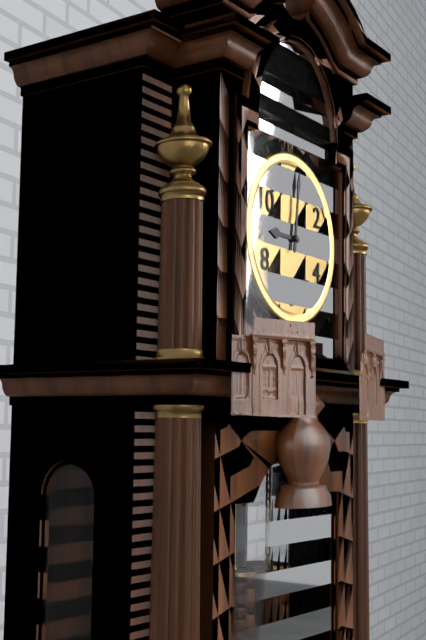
**9:01**
